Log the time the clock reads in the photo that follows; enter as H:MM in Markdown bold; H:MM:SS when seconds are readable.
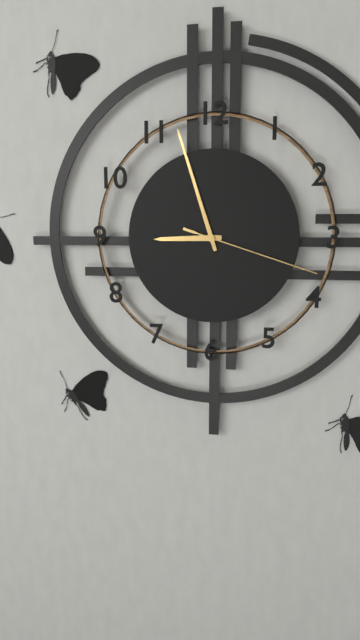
**8:57:18**
